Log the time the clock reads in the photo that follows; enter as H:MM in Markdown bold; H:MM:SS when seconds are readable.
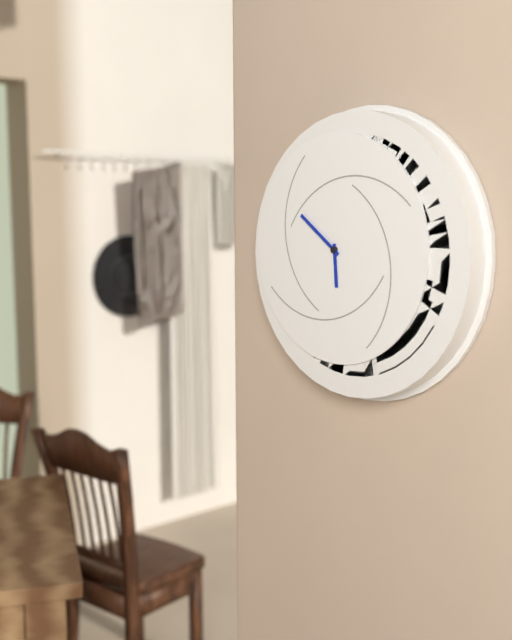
**5:51**
